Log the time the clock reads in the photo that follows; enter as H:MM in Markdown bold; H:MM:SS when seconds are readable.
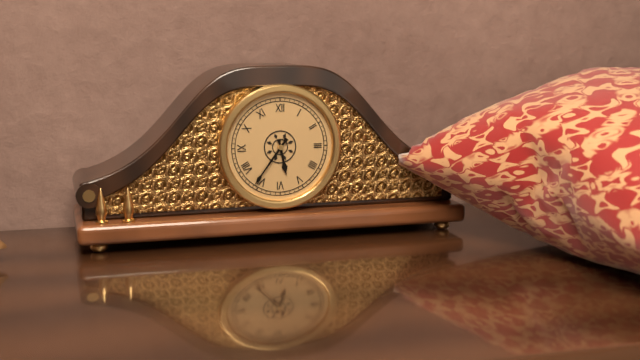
**5:36**
